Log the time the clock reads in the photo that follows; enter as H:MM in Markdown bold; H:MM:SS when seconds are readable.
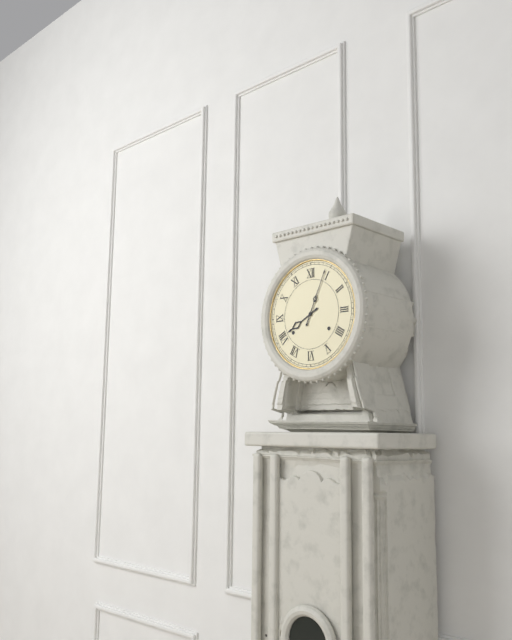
**8:04**
